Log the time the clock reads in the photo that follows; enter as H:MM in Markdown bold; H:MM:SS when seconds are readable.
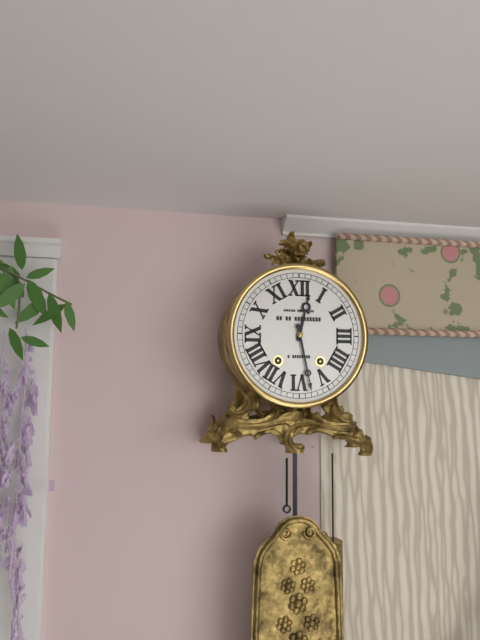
**12:28**
